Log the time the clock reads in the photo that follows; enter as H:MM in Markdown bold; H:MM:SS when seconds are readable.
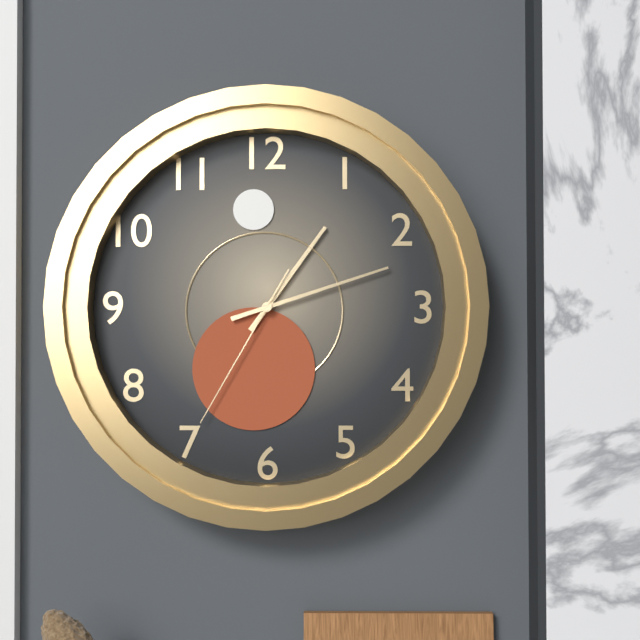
**1:12:35**
